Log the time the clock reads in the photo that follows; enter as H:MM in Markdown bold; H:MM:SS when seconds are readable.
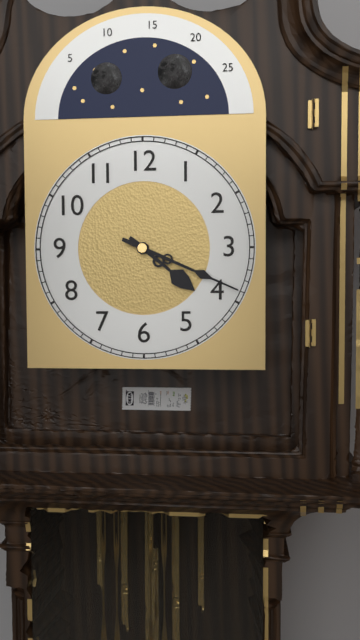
**4:19**
